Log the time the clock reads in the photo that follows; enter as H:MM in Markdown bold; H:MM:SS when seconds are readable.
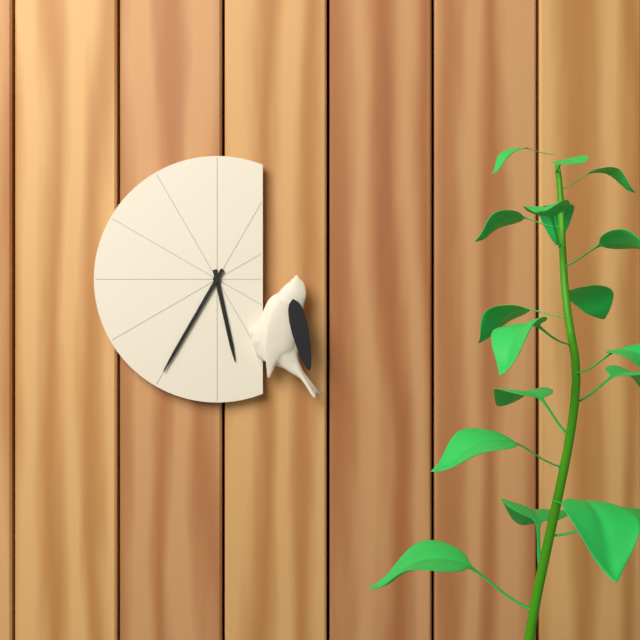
**5:35**
